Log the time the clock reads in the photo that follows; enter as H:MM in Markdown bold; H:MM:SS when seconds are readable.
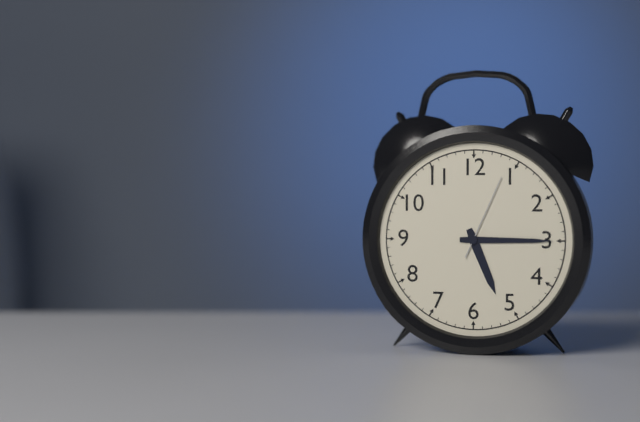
**5:15:04**
